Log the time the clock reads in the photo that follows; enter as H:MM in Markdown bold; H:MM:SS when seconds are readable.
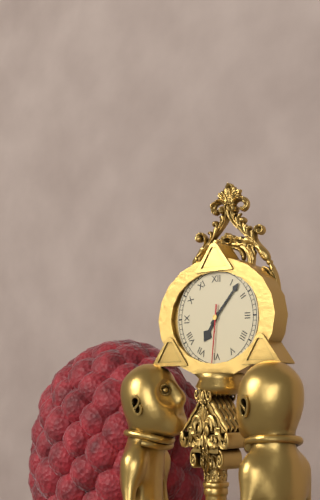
**7:07:31**
